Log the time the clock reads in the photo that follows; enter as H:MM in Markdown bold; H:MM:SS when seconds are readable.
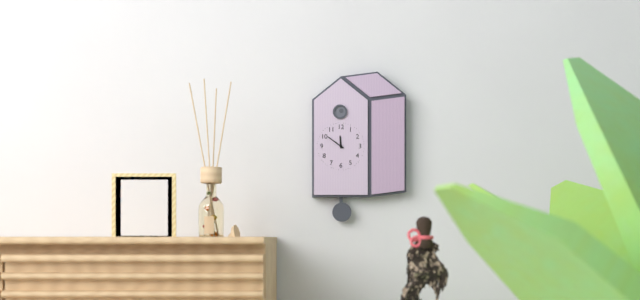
**11:51**
